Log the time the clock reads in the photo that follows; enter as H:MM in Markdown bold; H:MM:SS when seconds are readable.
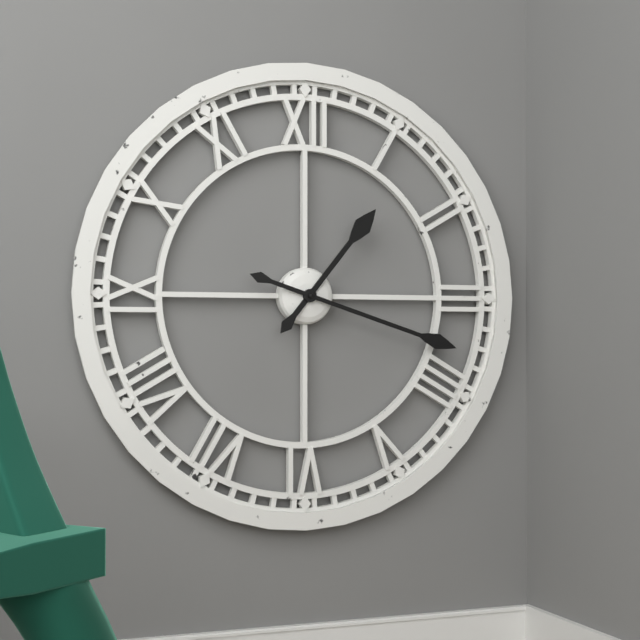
**1:18**
